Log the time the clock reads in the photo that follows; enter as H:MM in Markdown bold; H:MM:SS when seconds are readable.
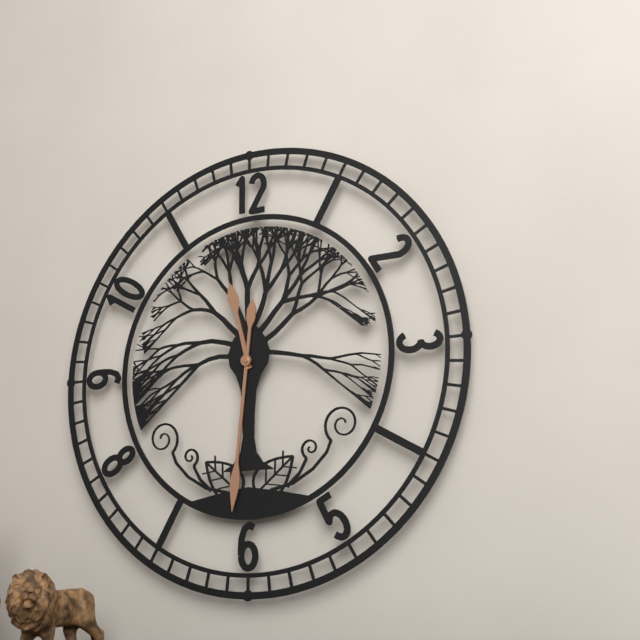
**11:31**
